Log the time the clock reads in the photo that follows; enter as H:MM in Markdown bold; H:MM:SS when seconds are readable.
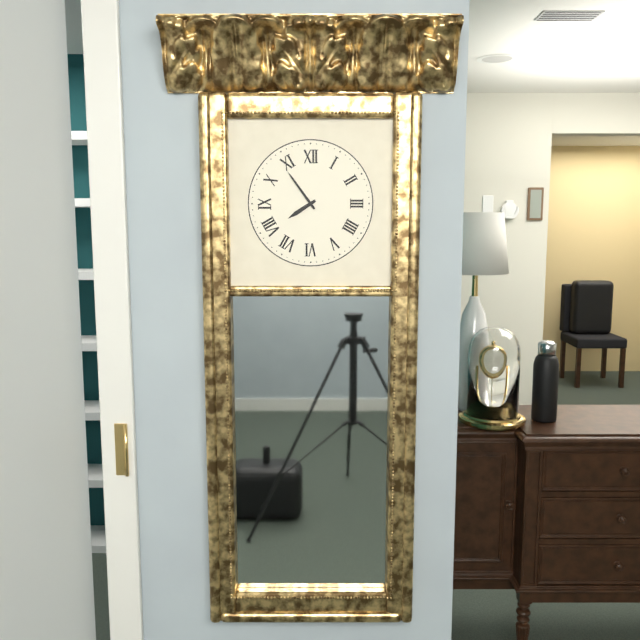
**7:54**
